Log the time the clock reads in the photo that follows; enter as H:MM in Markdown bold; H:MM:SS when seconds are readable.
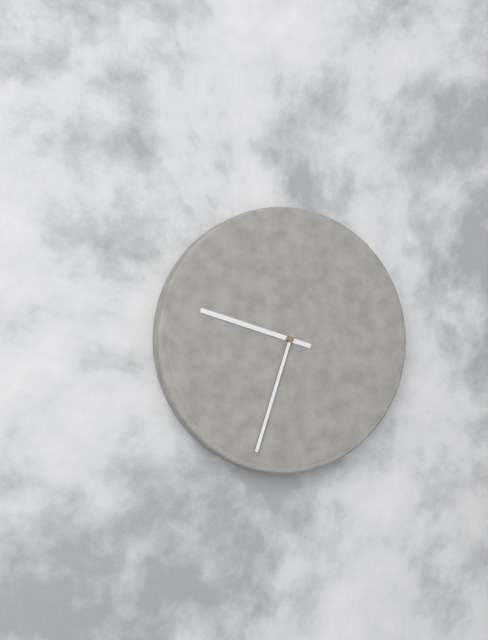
**9:33**
